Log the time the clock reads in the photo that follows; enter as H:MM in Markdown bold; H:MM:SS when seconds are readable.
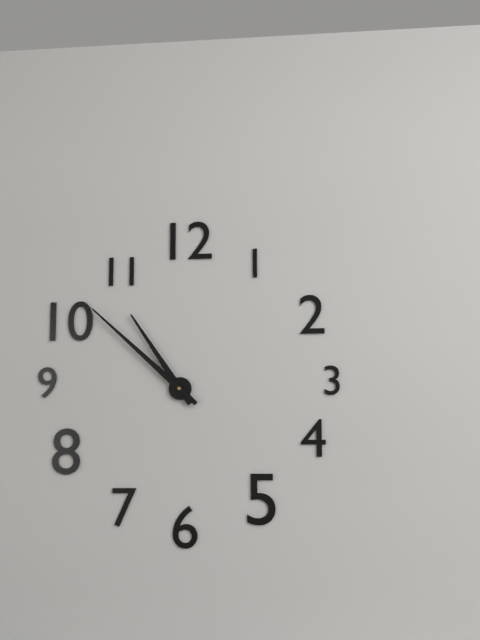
**10:52**
